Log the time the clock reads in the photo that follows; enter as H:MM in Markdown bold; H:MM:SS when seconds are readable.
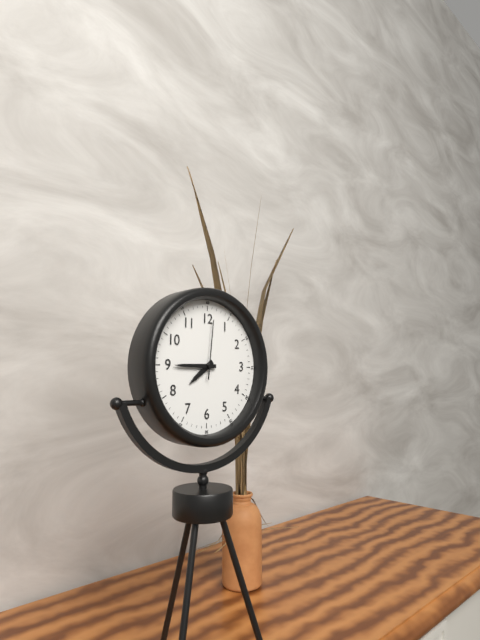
**7:45:01**
